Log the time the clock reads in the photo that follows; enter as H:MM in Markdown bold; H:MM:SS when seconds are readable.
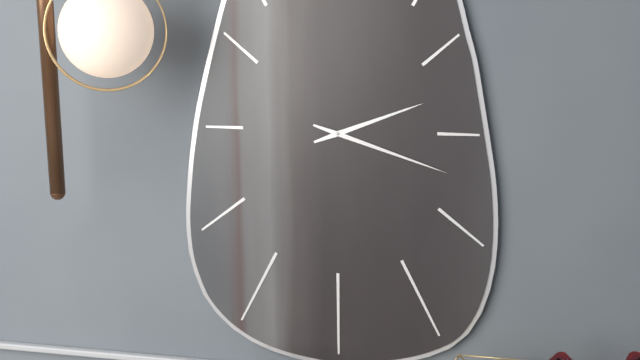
**2:18**
